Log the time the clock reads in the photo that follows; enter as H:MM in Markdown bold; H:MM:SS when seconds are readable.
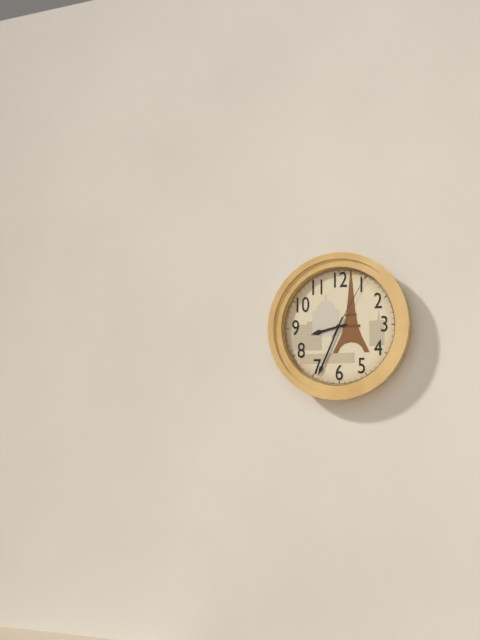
**8:34:05**
